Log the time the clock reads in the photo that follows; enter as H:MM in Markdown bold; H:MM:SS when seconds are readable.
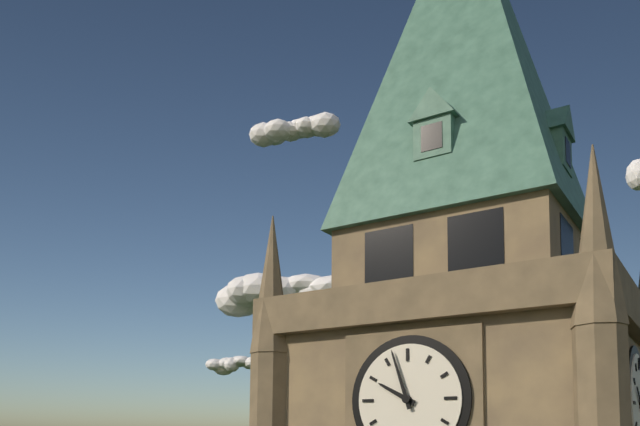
**9:57**
